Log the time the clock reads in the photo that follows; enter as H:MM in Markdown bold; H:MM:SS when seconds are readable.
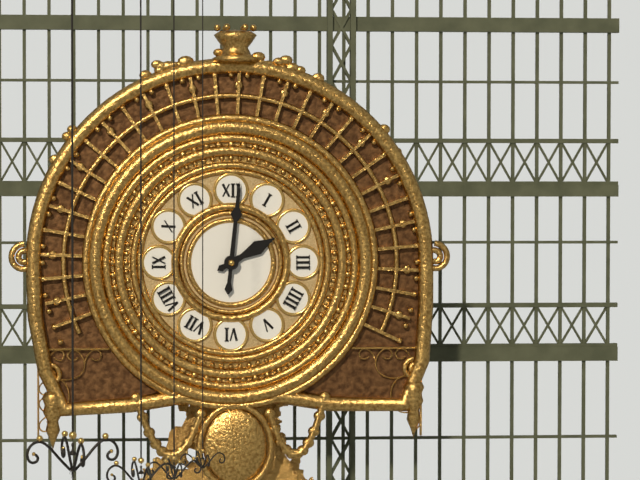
**2:01**
